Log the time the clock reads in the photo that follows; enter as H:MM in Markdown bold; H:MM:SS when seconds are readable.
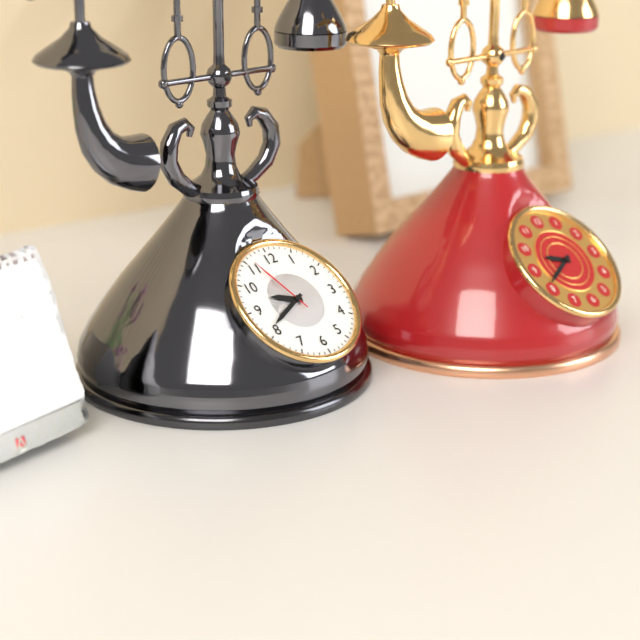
**9:41:56**
